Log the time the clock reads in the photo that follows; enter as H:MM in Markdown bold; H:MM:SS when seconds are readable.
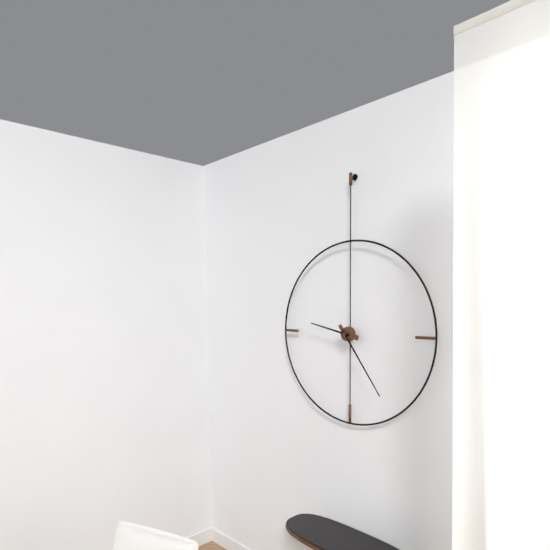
**9:24**
